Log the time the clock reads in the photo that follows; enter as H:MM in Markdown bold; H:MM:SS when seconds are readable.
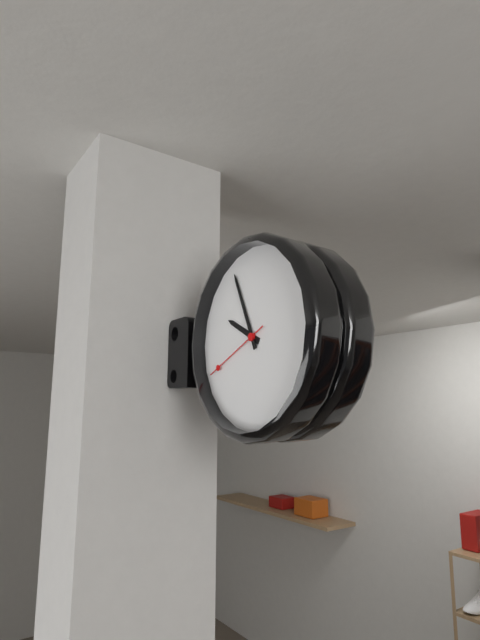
**9:56:41**
